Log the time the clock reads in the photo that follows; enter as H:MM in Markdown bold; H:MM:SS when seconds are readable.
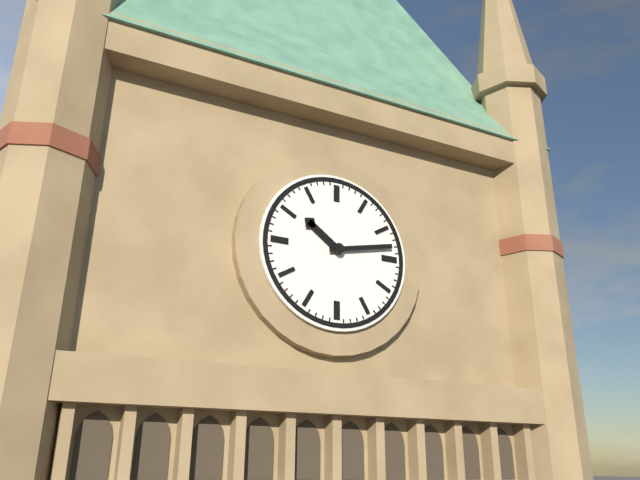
**10:13**
